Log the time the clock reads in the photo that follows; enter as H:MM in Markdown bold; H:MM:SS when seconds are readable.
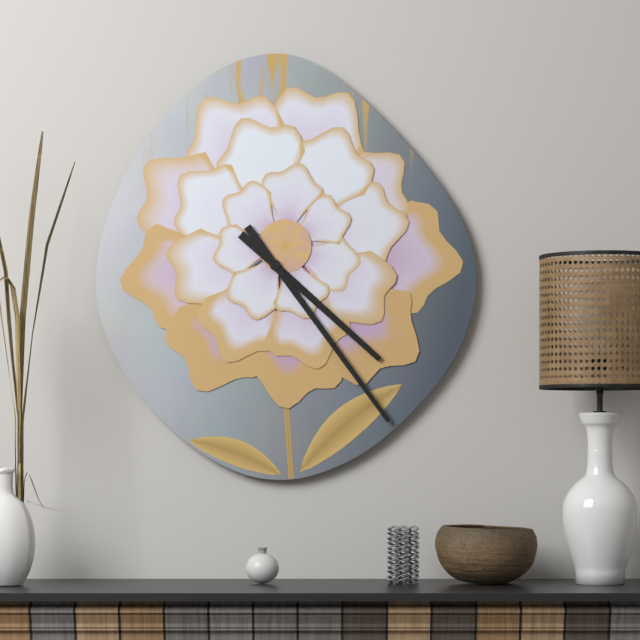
**4:24**
